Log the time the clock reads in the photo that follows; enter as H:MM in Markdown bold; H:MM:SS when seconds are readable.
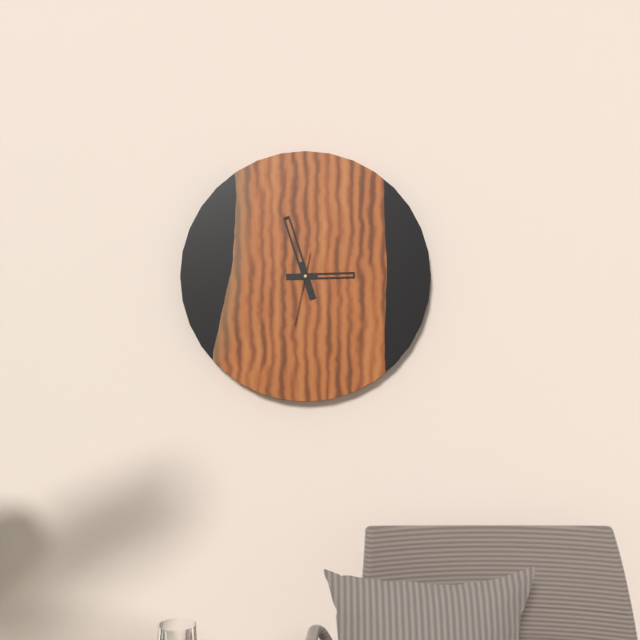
**2:57:32**
